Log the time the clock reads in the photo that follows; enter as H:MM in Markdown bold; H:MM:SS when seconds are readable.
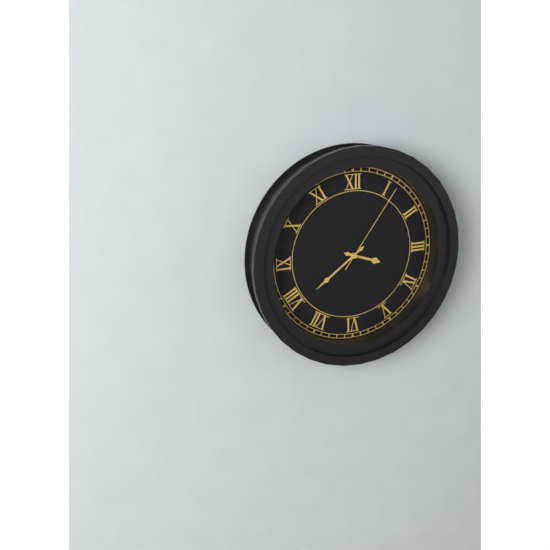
**3:39:06**
